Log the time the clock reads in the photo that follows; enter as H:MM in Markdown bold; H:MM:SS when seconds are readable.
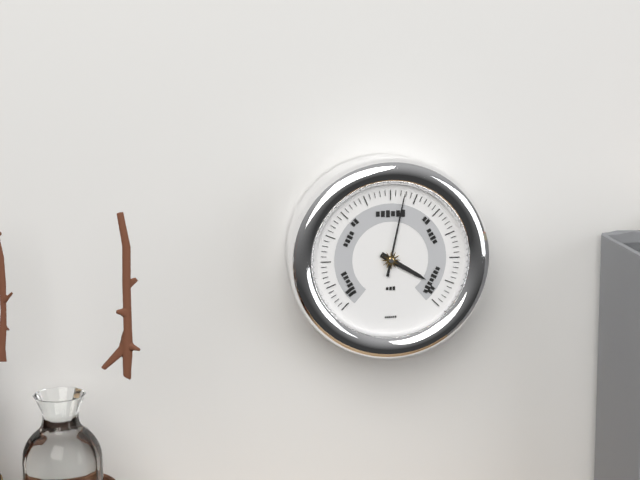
**4:02**
